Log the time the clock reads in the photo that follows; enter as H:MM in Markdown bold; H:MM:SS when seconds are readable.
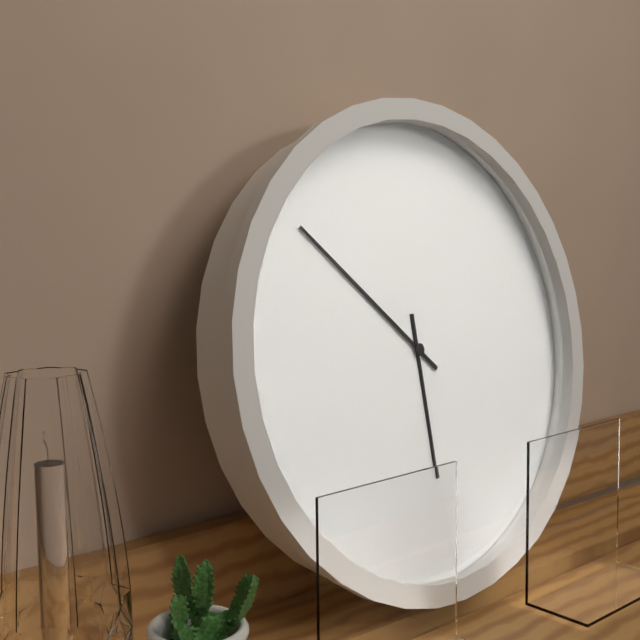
**5:52**
